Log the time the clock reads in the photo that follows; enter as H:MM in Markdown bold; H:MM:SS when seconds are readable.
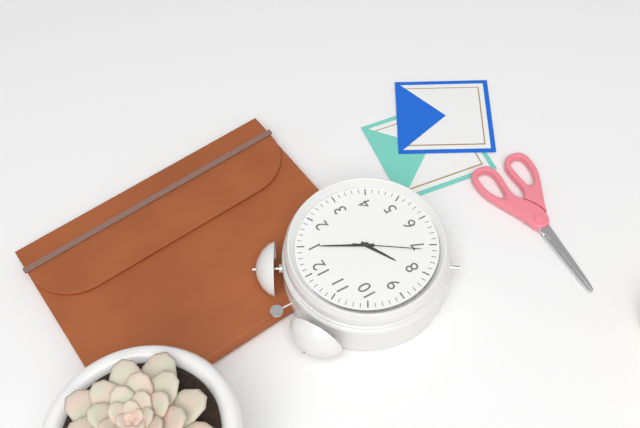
**8:05:36**
